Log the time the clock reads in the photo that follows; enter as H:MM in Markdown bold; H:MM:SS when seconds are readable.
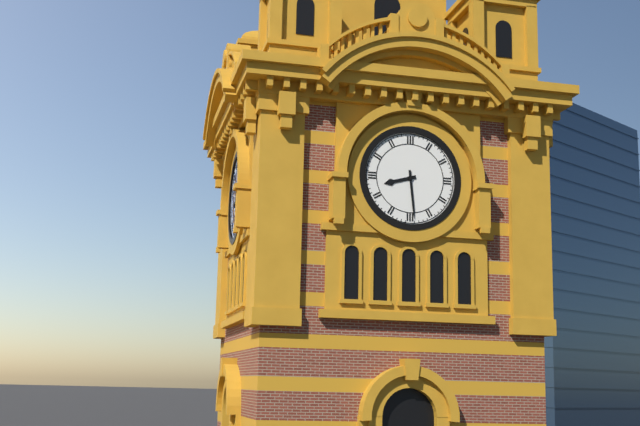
**8:29**
